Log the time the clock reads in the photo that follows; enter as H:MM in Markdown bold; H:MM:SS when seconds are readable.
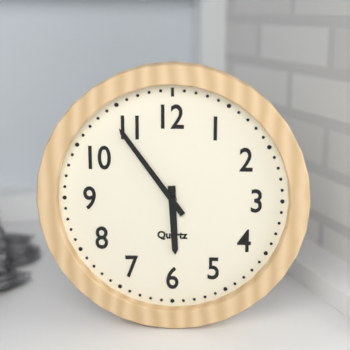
**5:54**
